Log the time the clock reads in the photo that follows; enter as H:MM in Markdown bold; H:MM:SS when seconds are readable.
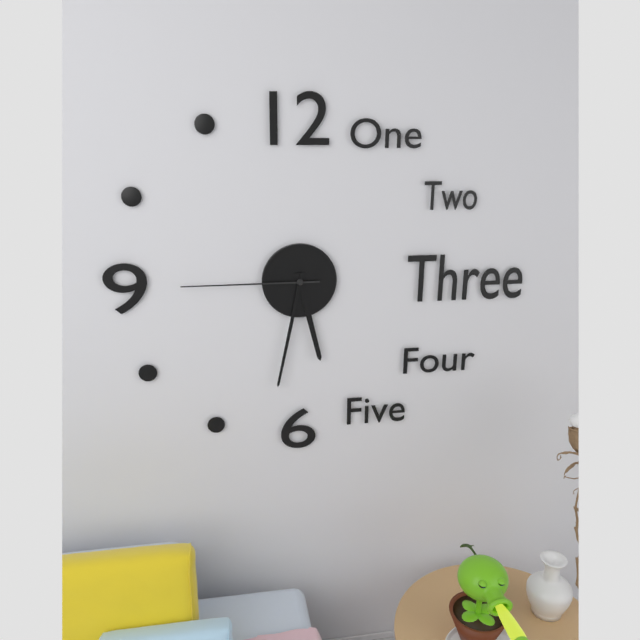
**5:32:45**
